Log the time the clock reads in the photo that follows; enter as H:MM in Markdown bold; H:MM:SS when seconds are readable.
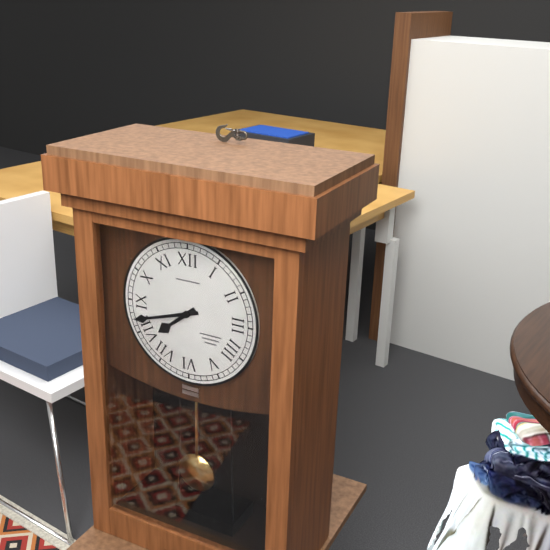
**7:42**
